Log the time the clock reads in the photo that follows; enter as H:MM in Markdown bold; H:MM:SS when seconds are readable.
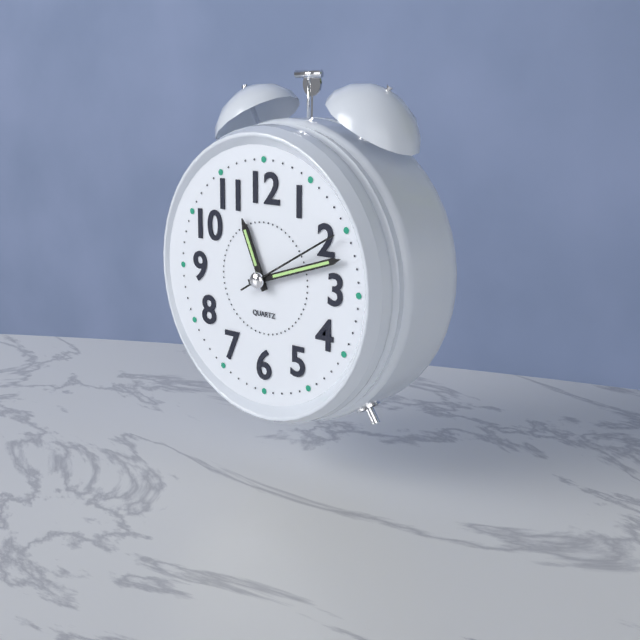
**11:12:10**
